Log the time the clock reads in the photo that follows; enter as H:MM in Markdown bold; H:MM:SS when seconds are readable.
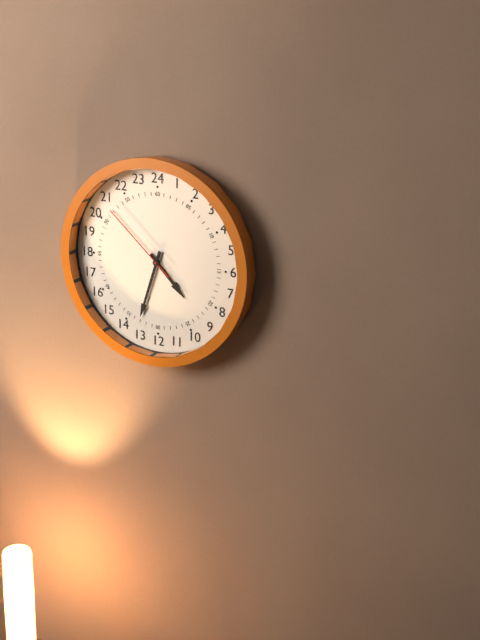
**4:33:52**
